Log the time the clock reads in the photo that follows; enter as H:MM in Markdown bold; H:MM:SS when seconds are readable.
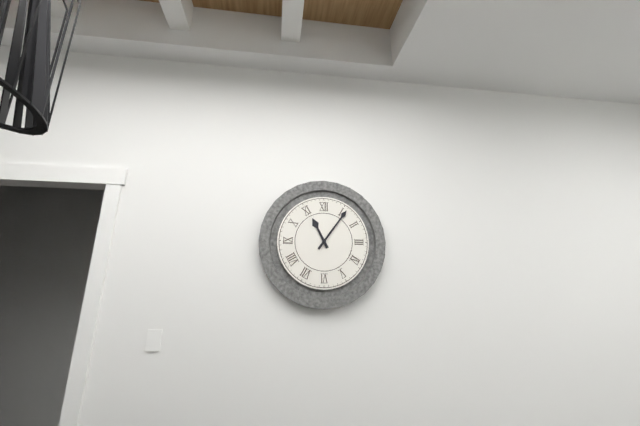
**11:06**
